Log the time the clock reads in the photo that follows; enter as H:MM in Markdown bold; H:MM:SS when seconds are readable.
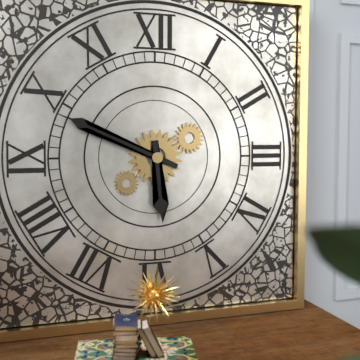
**5:49**
